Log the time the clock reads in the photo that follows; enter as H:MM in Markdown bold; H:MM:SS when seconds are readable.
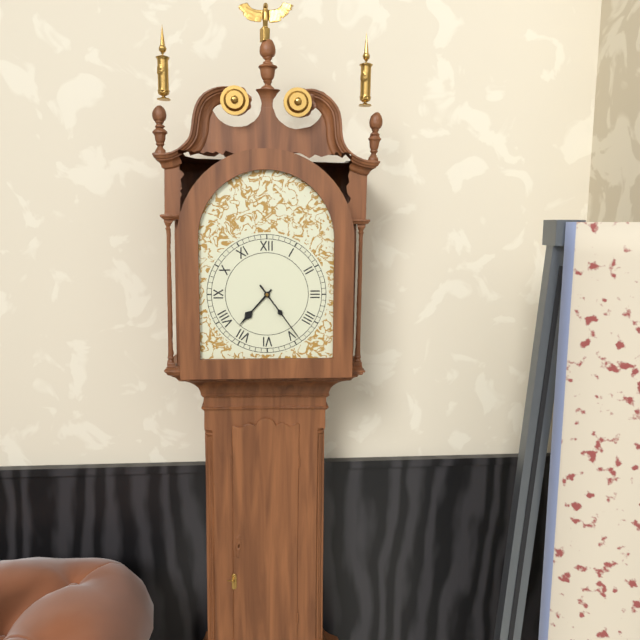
**7:24**
